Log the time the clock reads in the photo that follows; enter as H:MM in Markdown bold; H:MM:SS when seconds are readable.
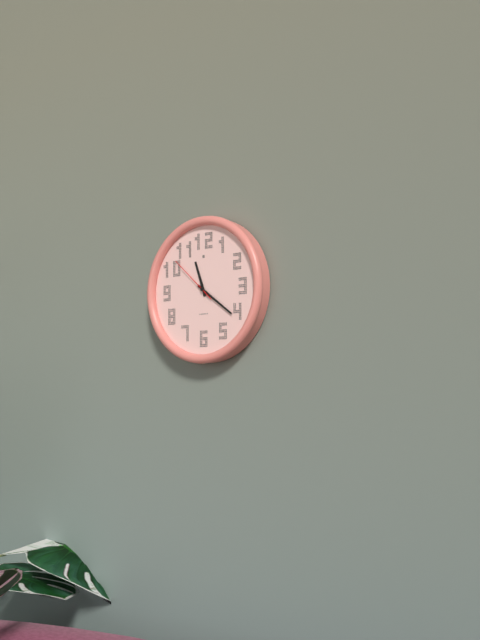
**11:21**
